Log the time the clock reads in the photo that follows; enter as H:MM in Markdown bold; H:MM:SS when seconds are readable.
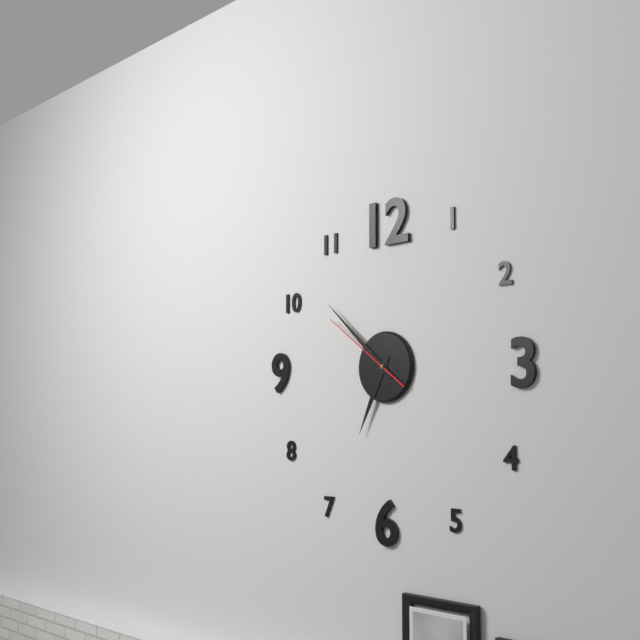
**6:52:51**
